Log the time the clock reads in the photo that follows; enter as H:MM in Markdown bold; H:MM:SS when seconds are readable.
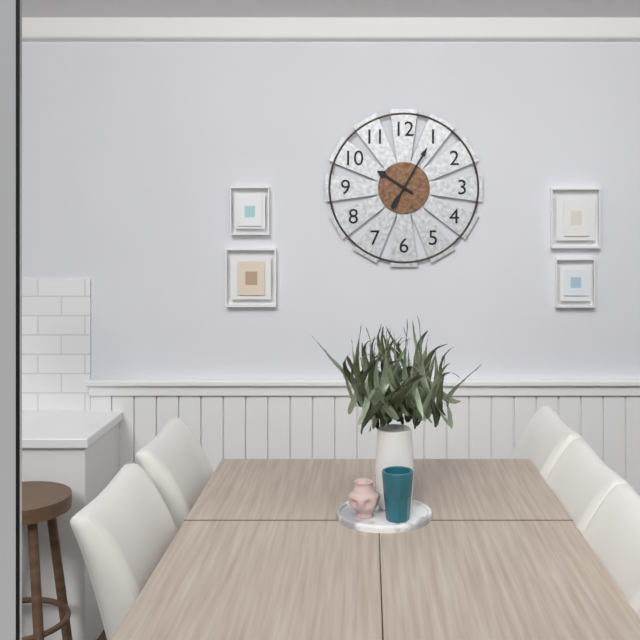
**10:05**
